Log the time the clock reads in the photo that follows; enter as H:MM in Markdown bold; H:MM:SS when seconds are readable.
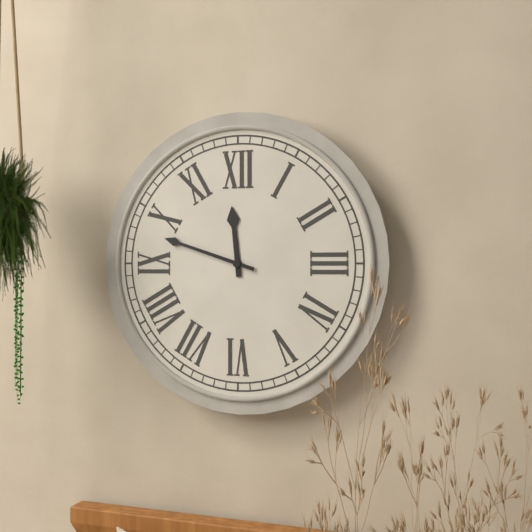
**11:48**
